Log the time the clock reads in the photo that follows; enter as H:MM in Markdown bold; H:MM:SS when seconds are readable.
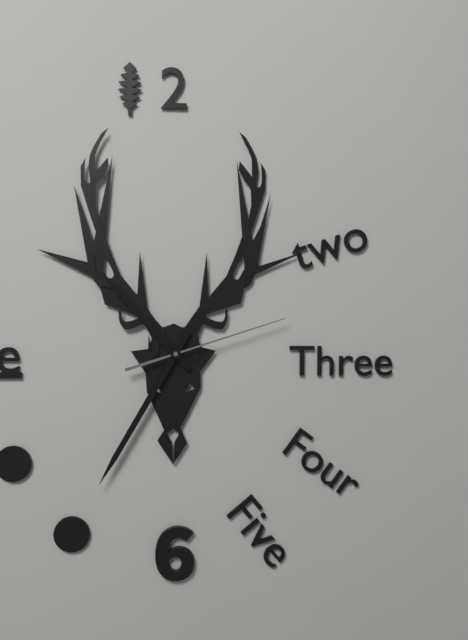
**10:35:12**
